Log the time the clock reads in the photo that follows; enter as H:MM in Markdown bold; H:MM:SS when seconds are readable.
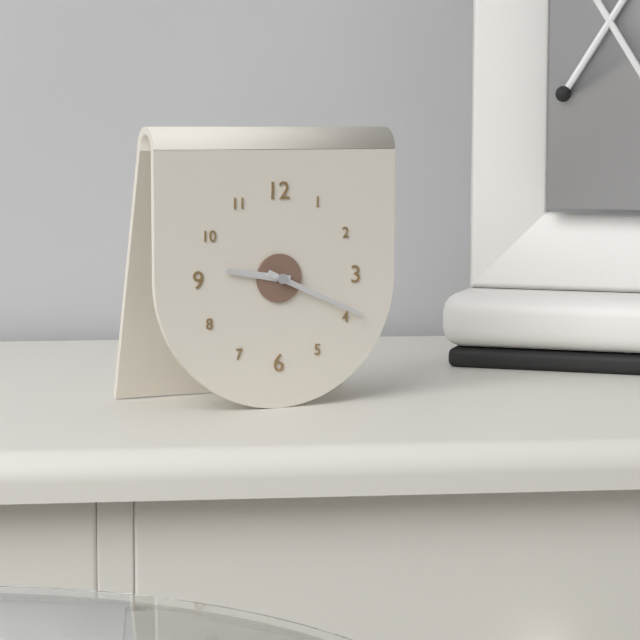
**9:19**
